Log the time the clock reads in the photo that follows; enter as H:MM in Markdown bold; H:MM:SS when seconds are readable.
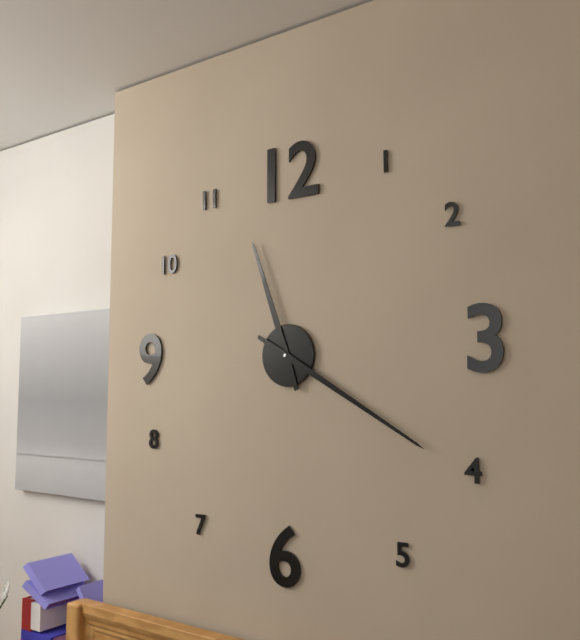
**11:20**
